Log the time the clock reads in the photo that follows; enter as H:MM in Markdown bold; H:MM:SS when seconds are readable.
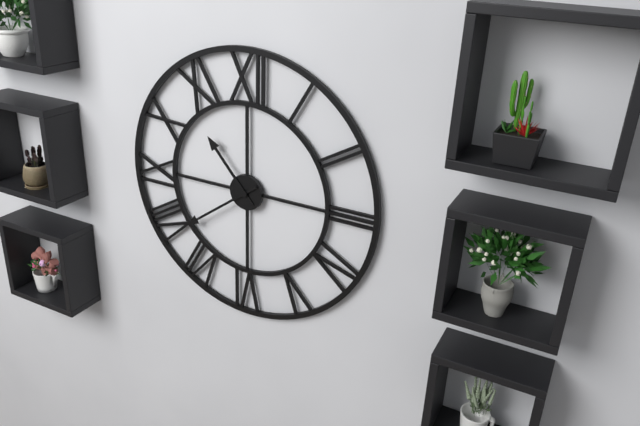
**10:39**
